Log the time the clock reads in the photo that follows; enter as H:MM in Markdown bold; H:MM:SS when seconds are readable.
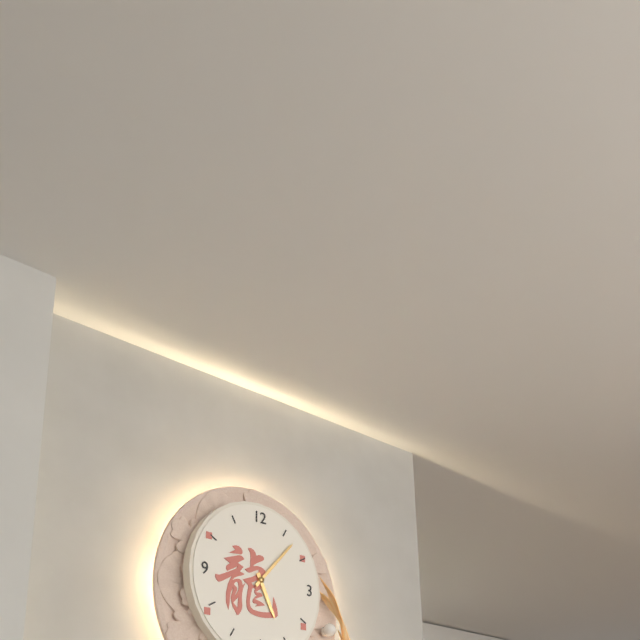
**5:07**
